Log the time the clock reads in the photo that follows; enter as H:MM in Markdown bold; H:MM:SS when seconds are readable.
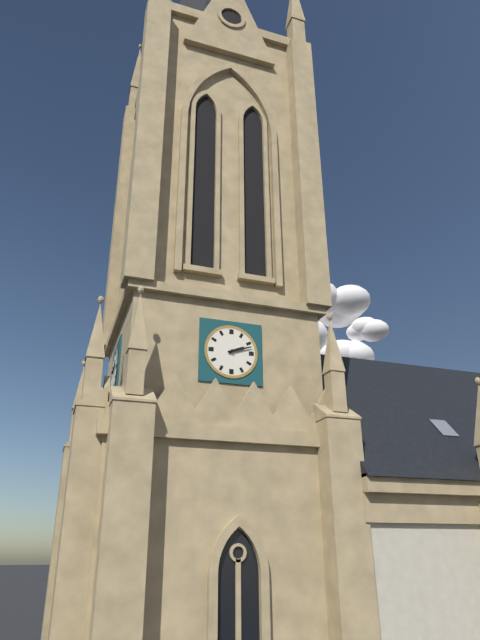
**2:12**
